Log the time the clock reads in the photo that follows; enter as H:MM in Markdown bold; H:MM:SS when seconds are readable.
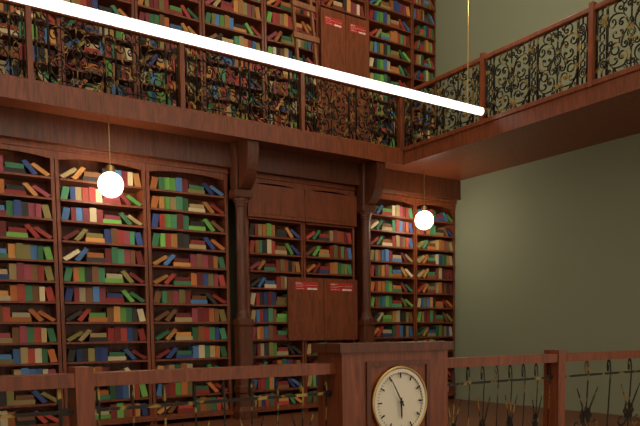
**5:55**
